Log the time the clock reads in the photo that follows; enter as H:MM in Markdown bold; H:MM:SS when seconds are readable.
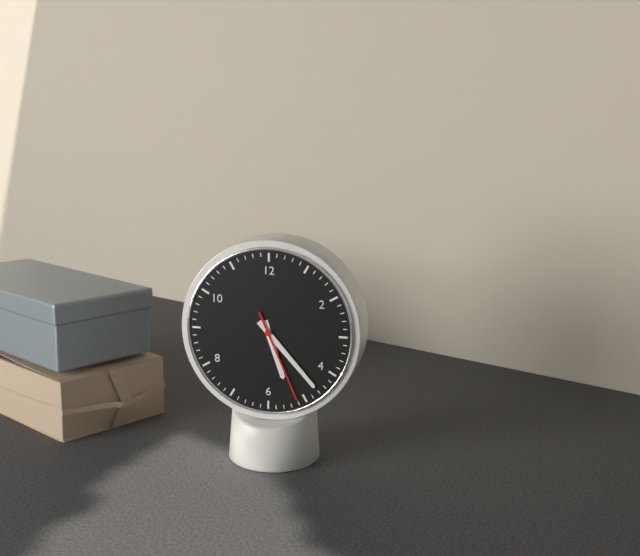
**5:23:26**
